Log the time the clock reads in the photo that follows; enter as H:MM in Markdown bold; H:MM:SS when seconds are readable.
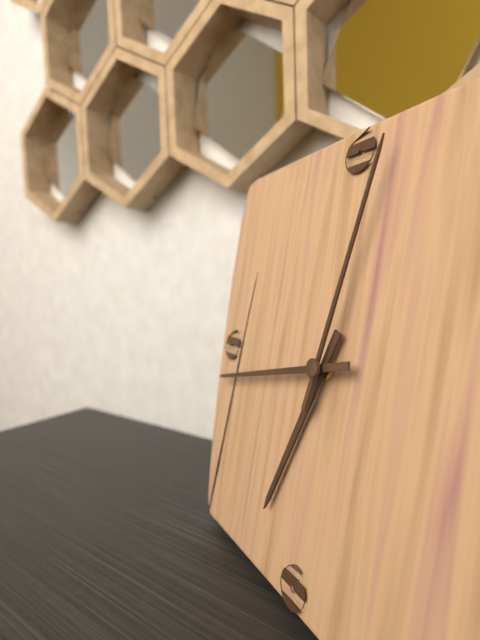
**6:43:02**
